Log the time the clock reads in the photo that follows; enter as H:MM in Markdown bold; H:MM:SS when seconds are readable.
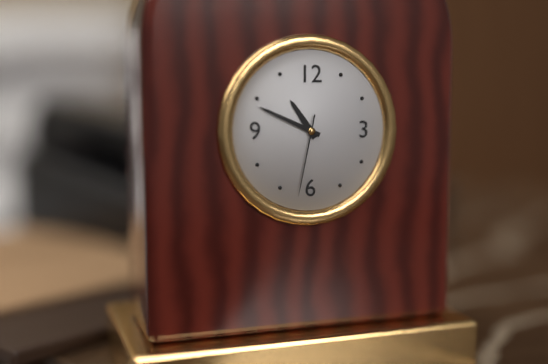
**10:49:32**
